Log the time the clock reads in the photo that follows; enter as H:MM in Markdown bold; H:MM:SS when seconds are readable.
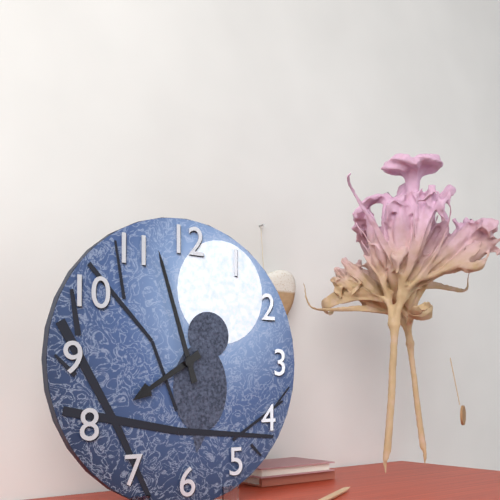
**7:57**
